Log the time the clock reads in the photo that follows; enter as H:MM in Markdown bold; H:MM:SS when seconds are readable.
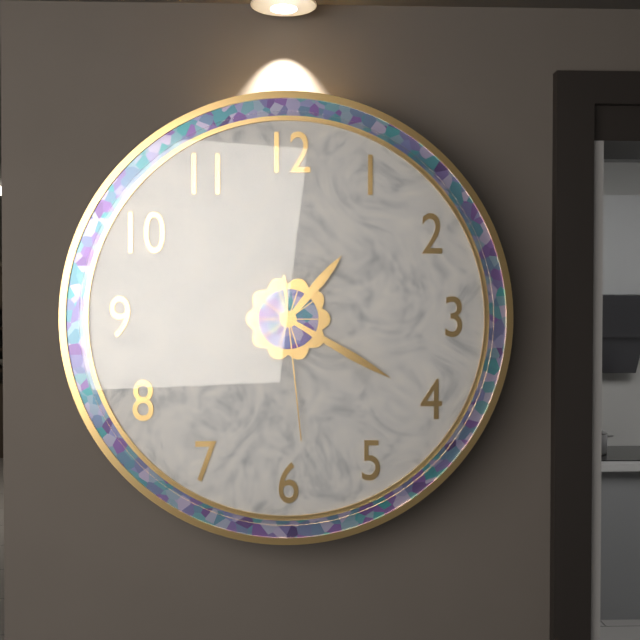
**1:20:29**
